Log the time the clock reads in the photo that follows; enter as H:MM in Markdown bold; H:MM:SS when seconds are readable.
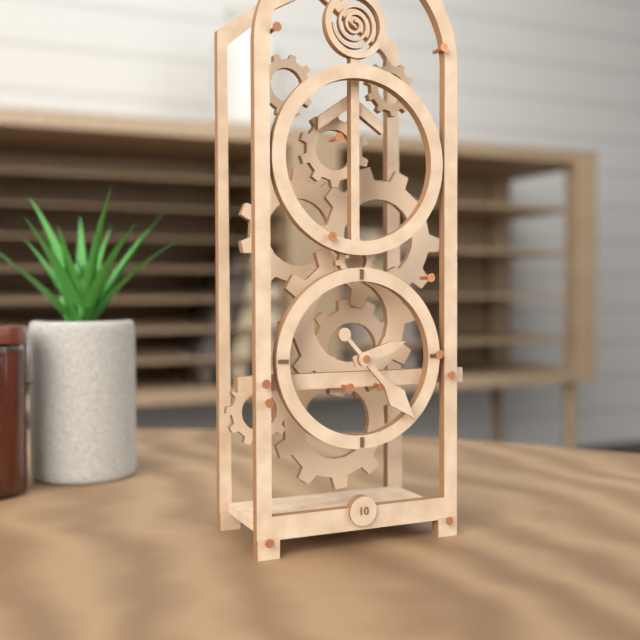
**2:23**
